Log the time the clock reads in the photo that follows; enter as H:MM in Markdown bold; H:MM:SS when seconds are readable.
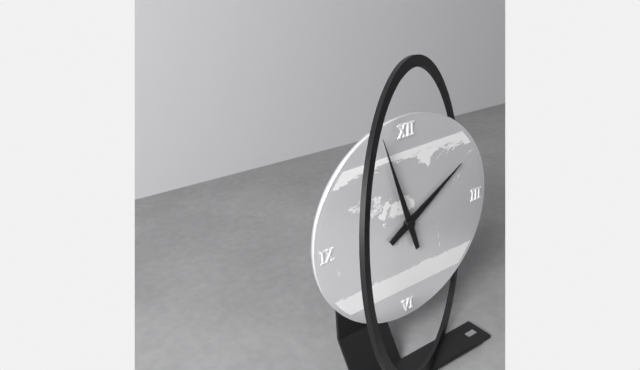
**1:57**
